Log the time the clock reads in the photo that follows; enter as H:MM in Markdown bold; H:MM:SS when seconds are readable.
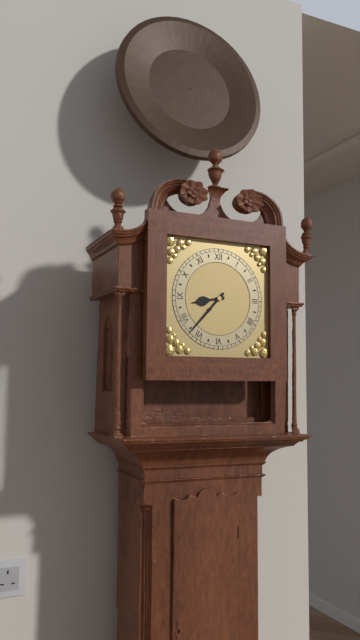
**8:37**
